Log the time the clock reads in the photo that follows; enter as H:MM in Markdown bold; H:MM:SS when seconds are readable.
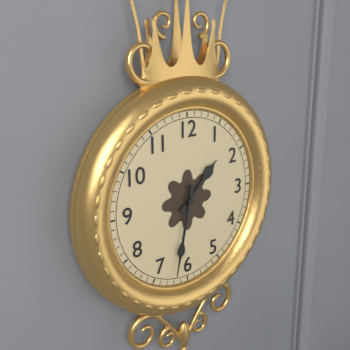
**1:32**
